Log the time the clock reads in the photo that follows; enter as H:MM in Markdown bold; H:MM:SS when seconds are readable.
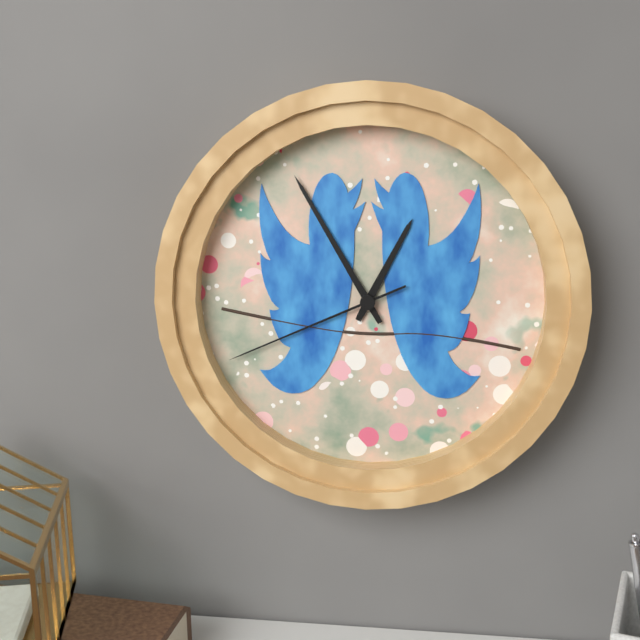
**12:55:41**
